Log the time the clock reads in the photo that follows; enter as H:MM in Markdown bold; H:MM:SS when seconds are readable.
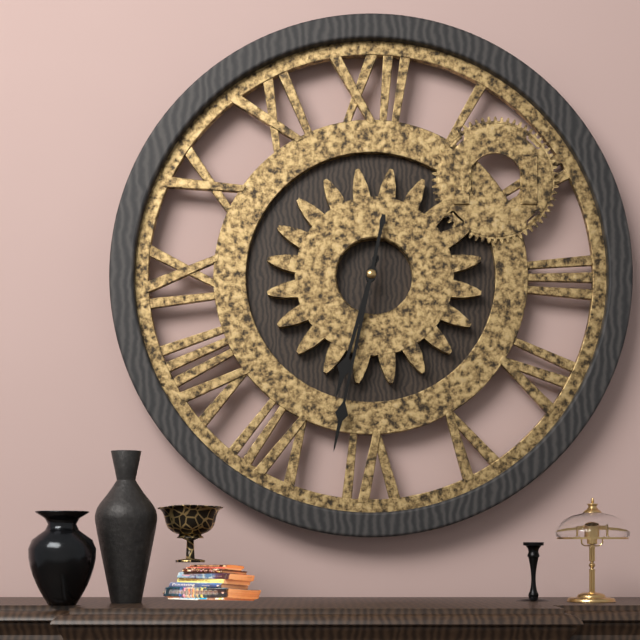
**6:32**
